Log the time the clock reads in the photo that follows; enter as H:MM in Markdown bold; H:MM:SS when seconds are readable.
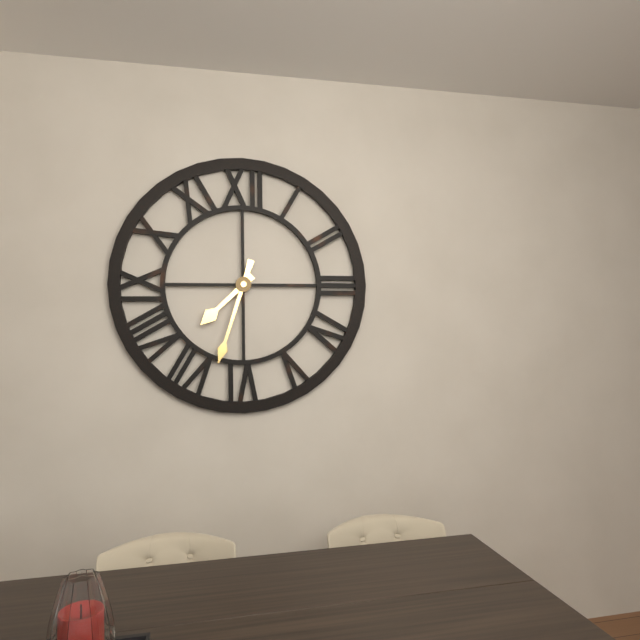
**7:33**
